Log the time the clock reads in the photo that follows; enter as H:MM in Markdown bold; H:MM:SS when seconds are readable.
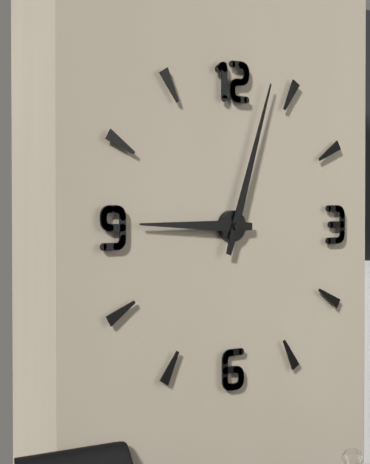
**9:03**
